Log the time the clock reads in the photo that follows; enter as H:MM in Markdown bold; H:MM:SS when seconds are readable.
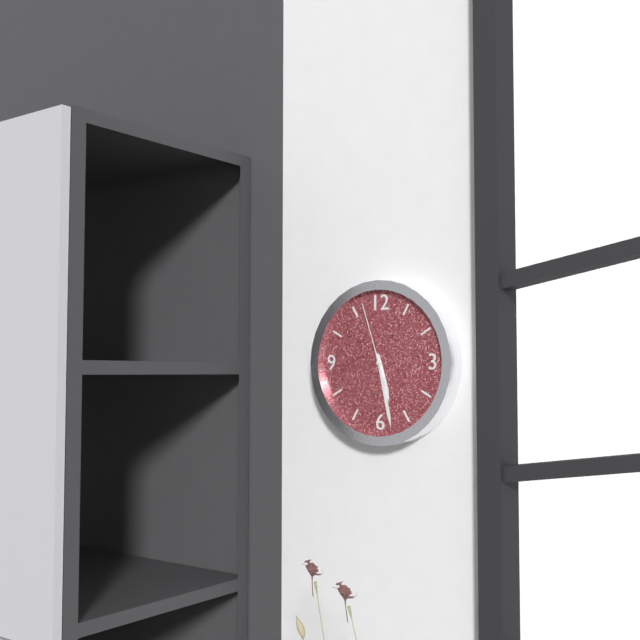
**5:28:57**
